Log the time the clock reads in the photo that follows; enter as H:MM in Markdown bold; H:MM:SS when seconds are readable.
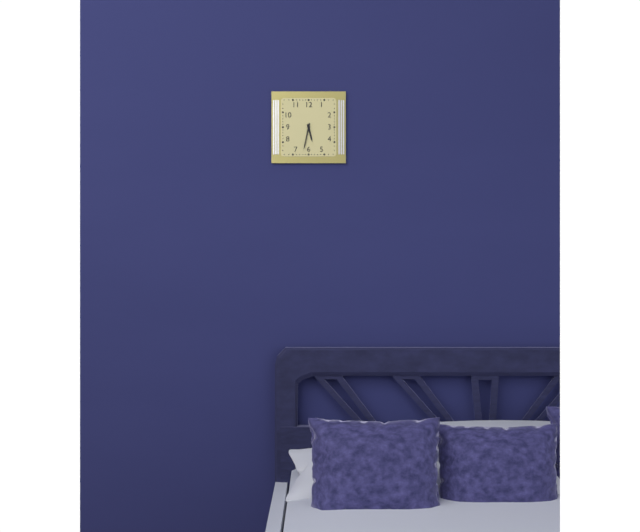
**5:32**
